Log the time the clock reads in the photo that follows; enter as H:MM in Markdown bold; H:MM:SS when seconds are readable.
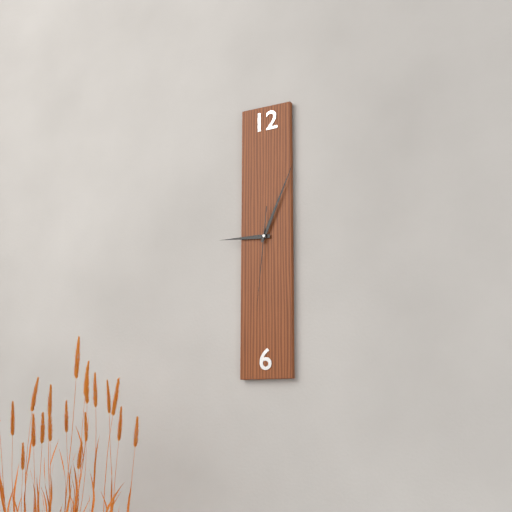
**9:04:31**
